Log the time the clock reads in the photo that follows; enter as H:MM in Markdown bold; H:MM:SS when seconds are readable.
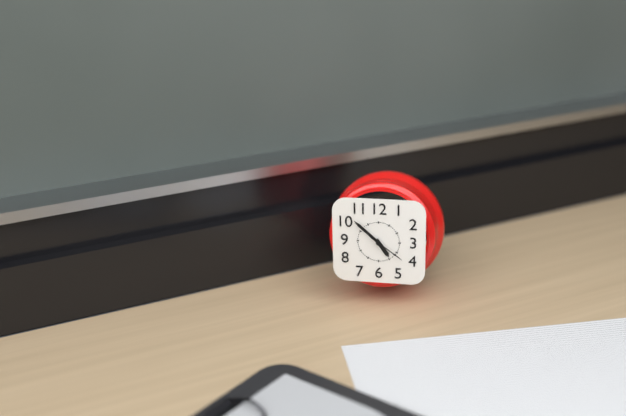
**4:52**
